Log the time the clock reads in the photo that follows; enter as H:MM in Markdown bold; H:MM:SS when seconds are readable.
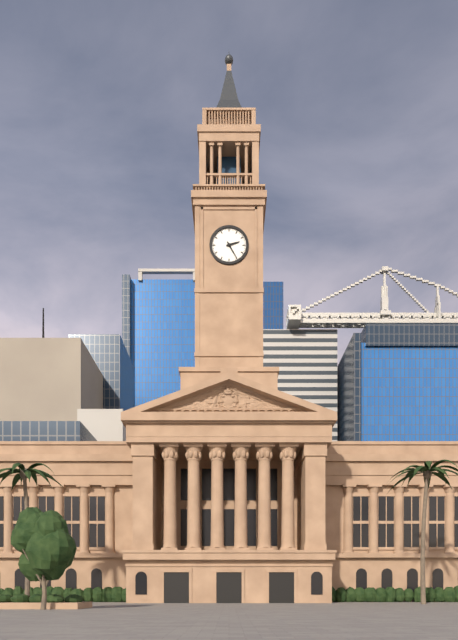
**2:25**
